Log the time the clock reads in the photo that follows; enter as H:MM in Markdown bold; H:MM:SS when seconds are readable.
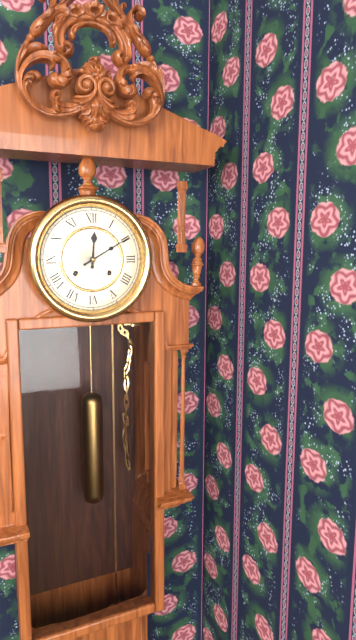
**12:10**
